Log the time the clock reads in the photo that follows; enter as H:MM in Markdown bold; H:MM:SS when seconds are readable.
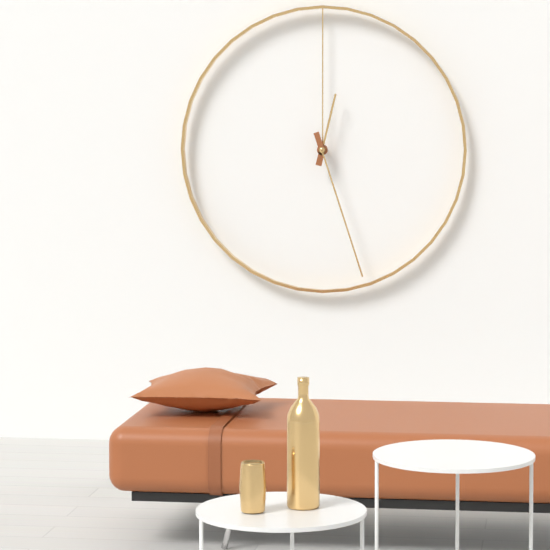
**12:27**
